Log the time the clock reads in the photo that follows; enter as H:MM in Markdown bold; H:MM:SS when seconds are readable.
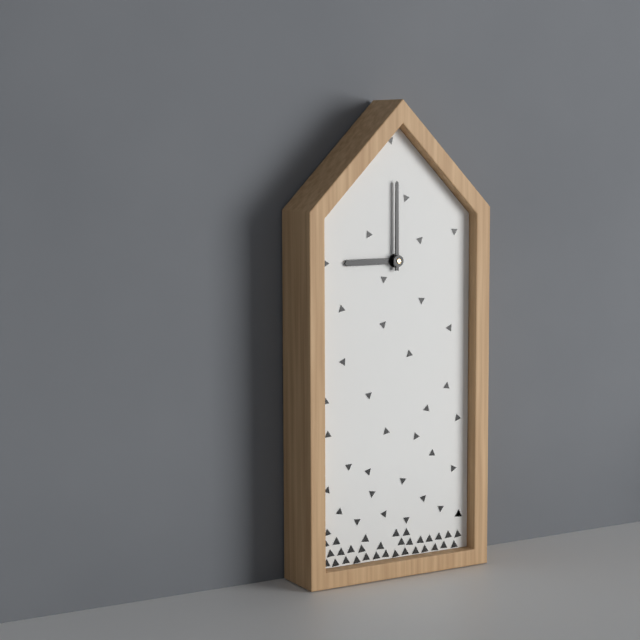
**9:00**
